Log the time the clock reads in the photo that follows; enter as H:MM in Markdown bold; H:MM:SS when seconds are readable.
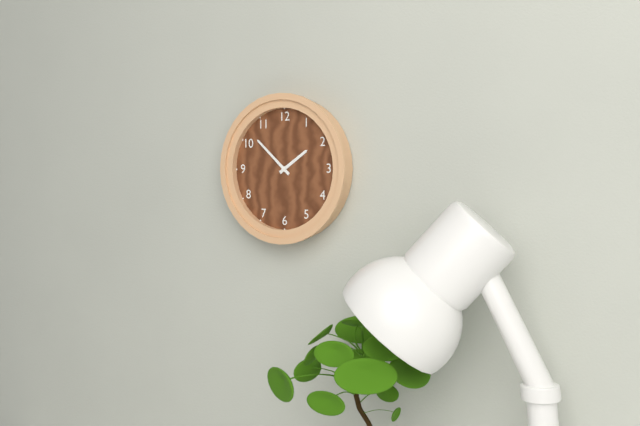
**1:52**
